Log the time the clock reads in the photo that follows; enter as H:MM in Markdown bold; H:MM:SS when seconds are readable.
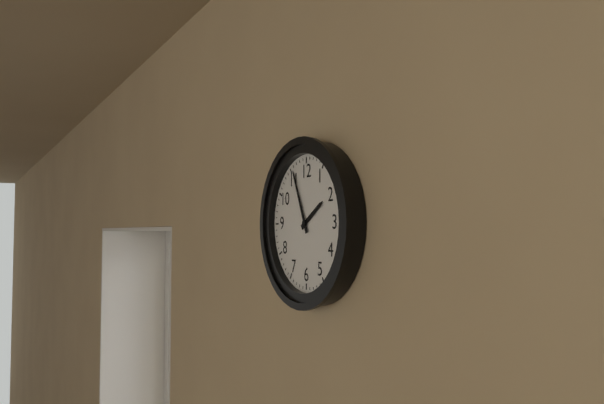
**1:56**
